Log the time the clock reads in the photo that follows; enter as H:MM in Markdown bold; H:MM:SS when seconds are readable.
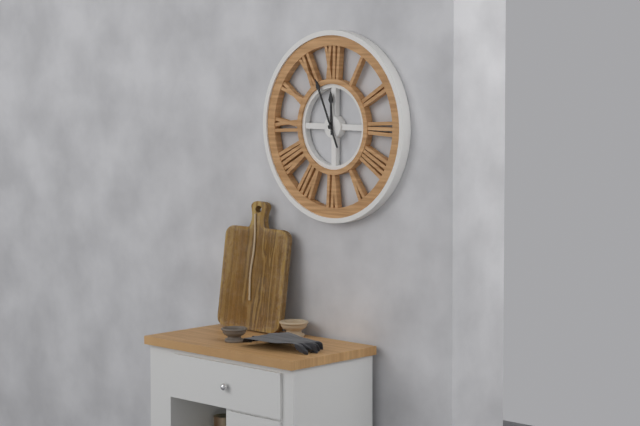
**11:56**
